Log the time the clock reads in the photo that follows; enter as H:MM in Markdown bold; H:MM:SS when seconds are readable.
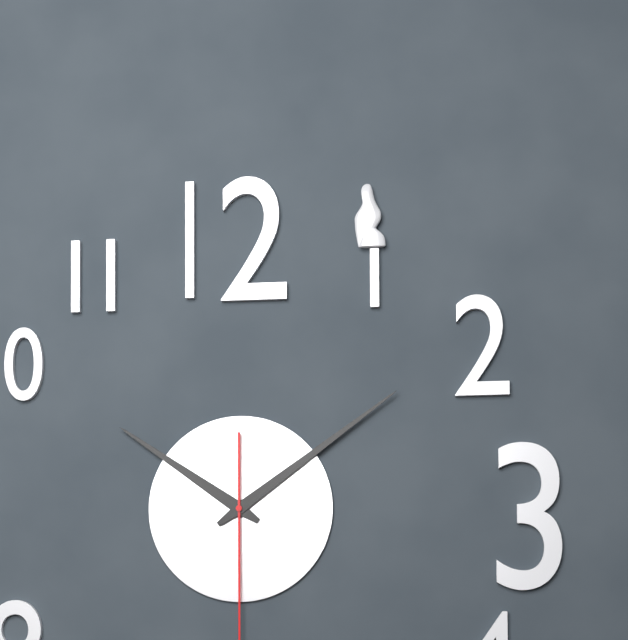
**10:09**
